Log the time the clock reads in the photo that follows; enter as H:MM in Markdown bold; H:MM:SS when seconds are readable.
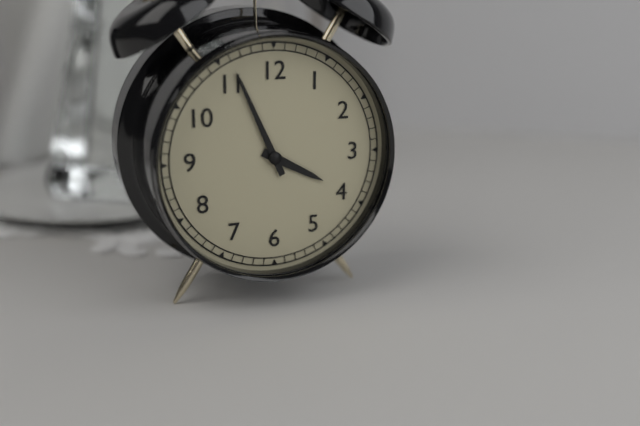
**3:56**
